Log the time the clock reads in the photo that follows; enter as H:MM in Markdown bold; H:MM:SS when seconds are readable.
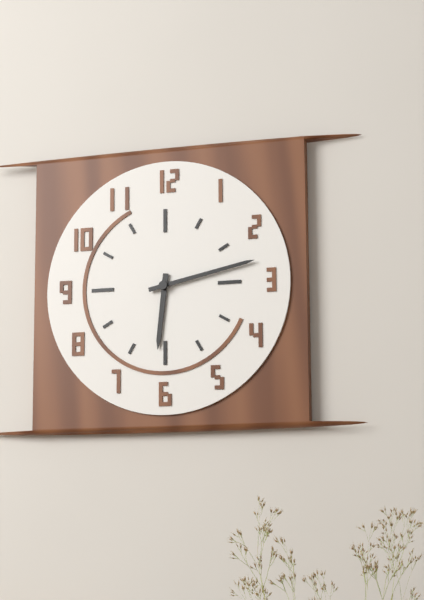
**6:13**
